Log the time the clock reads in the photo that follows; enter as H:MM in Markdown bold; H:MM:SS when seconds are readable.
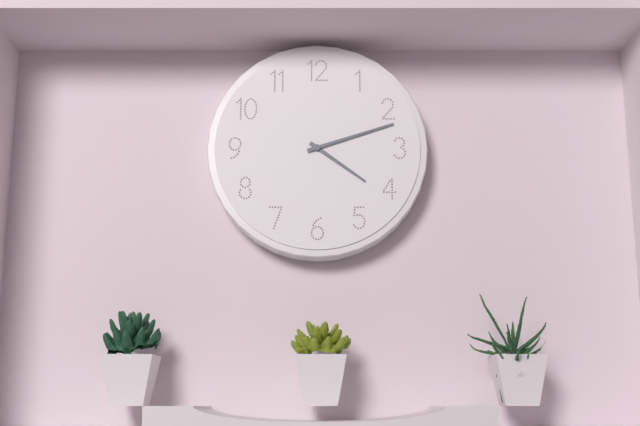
**4:12**
